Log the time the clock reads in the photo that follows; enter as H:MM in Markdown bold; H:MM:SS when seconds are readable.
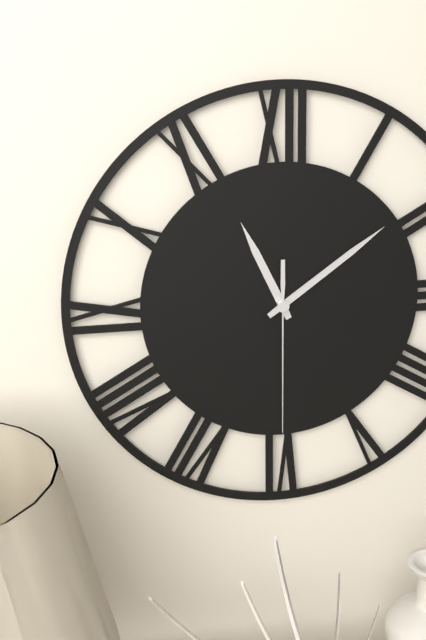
**11:09:30**
